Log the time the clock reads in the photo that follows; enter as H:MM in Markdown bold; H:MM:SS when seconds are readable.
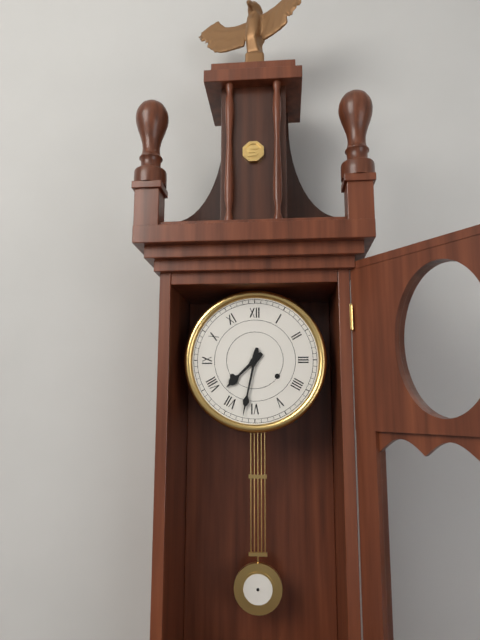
**7:32**
